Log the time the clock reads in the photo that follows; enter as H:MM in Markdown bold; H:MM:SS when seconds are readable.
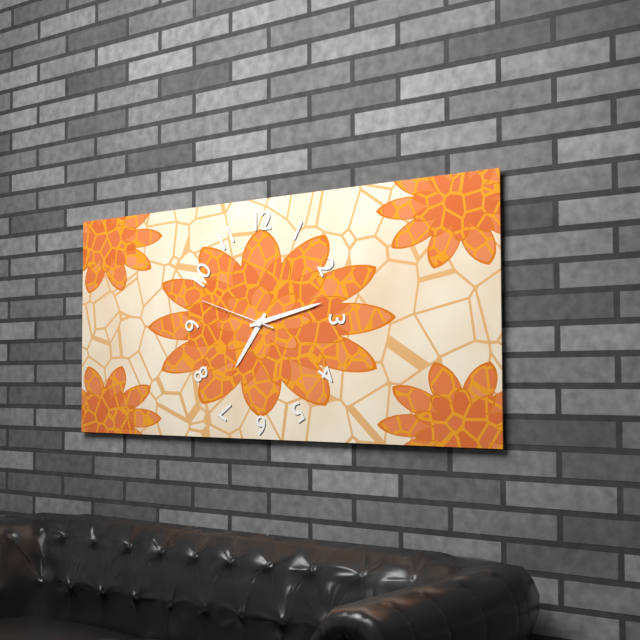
**7:13:48**
